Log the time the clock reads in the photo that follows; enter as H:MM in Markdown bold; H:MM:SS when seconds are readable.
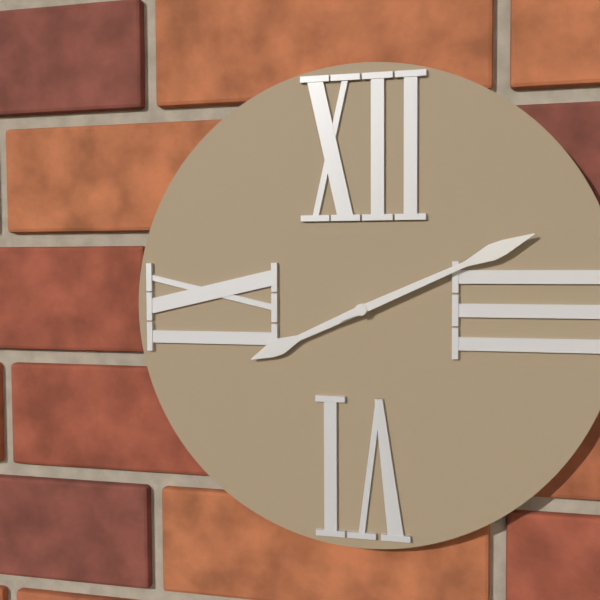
**8:11**
